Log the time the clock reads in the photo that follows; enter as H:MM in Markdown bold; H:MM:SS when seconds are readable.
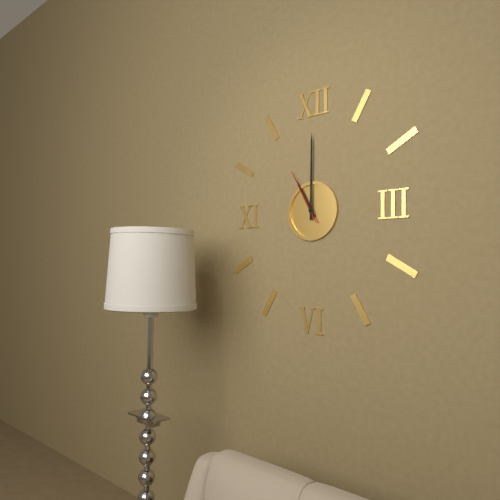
**11:00:55**
